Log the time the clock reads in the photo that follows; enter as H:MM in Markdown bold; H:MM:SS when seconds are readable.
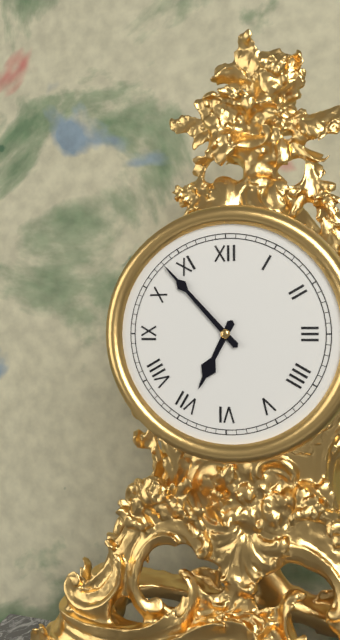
**6:53**
